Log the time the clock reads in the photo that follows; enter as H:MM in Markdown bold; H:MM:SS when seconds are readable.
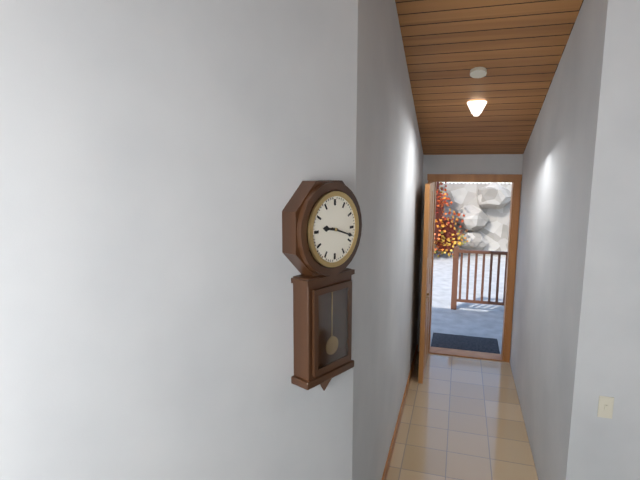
**9:18**
